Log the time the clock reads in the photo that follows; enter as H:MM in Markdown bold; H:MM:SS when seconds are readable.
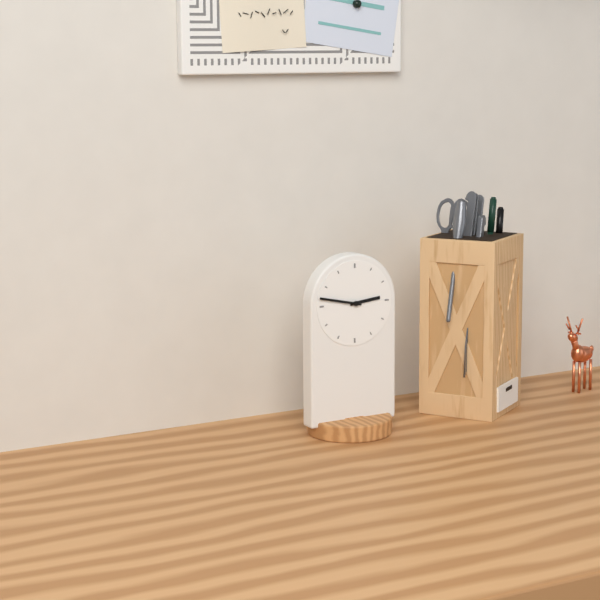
**2:47**
